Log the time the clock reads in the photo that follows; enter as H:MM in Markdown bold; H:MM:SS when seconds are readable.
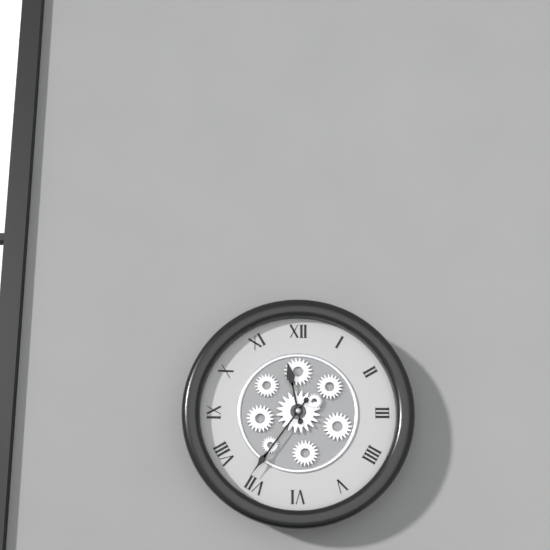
**11:36**
